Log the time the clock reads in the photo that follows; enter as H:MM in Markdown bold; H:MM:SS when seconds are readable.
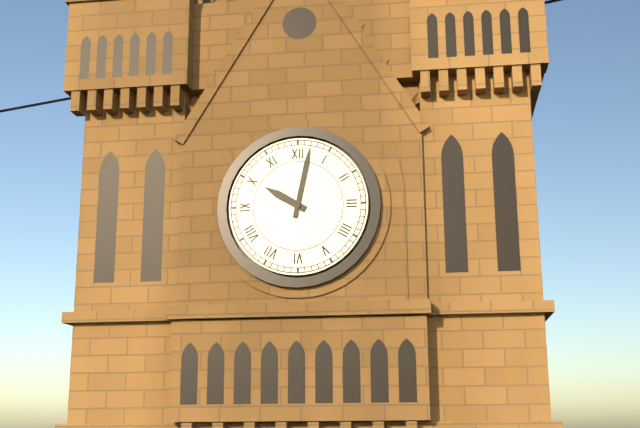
**10:02**
